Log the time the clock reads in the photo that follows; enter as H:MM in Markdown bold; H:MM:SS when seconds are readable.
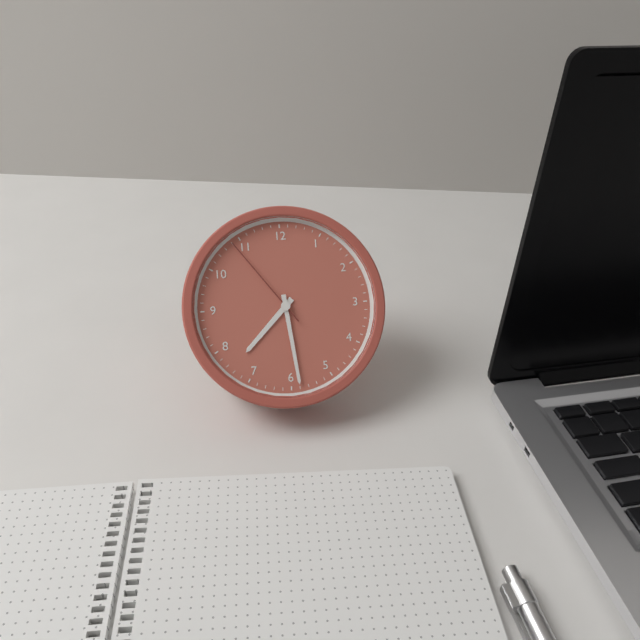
**7:29:54**
